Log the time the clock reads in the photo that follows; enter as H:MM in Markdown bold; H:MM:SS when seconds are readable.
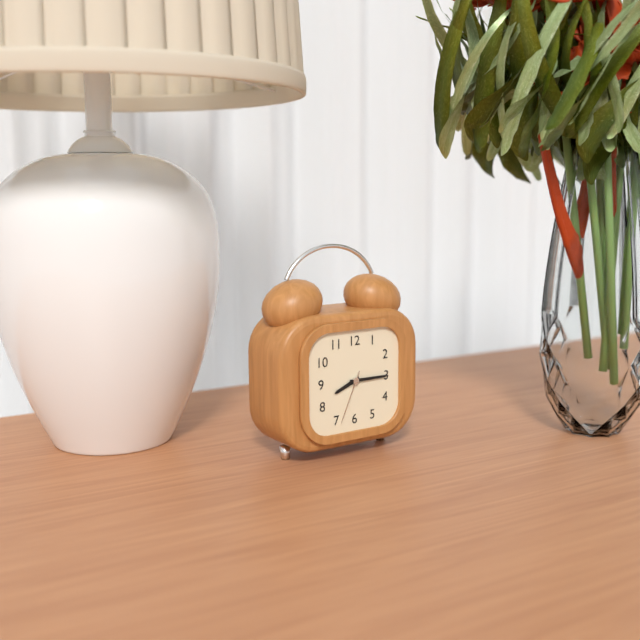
**8:15:34**
